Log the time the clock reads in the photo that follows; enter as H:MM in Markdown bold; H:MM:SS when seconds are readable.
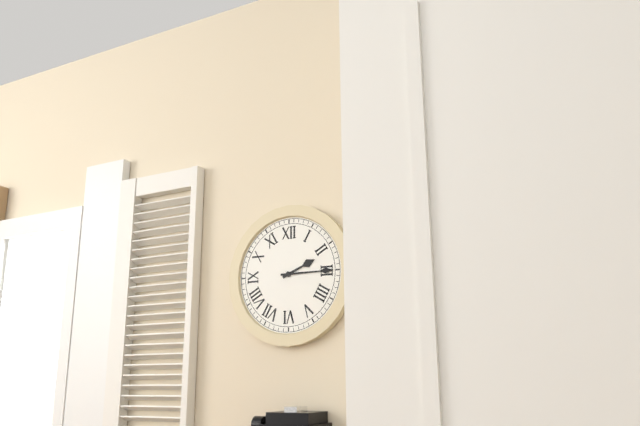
**2:15**
